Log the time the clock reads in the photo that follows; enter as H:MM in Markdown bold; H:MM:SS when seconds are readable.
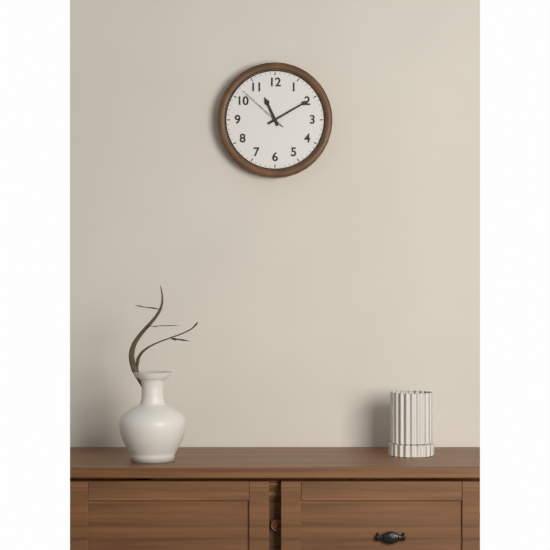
**11:10:52**
